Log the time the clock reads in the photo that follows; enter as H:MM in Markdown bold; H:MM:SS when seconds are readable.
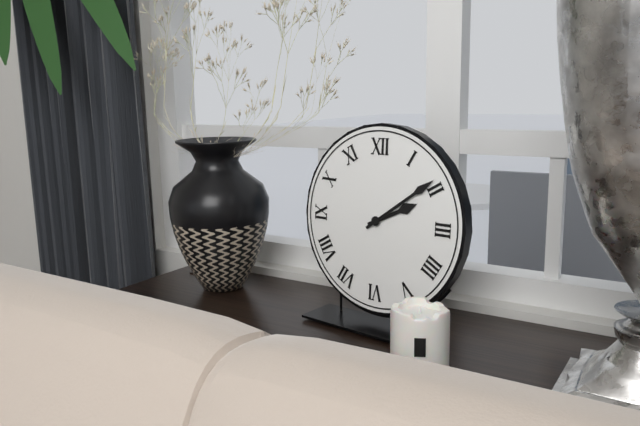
**2:09**
